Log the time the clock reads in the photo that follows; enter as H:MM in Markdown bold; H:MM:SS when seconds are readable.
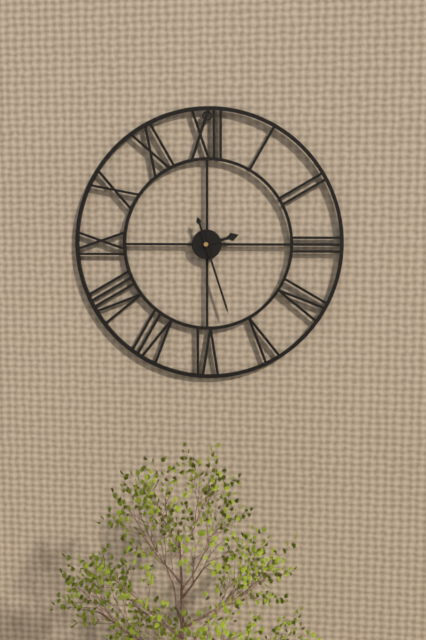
**2:27**
